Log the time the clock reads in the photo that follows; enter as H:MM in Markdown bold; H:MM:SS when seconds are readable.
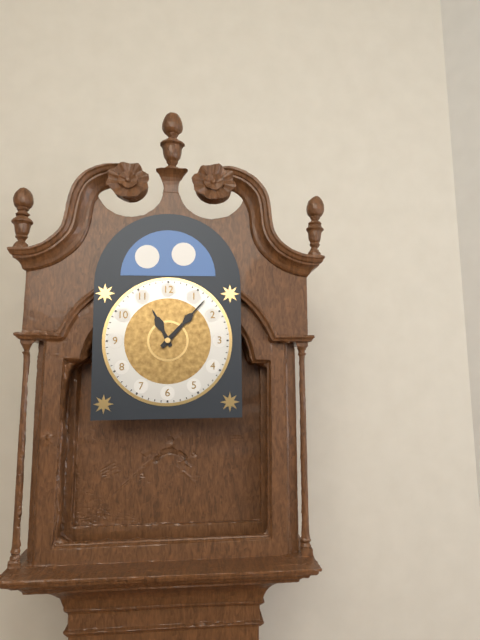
**11:07**
